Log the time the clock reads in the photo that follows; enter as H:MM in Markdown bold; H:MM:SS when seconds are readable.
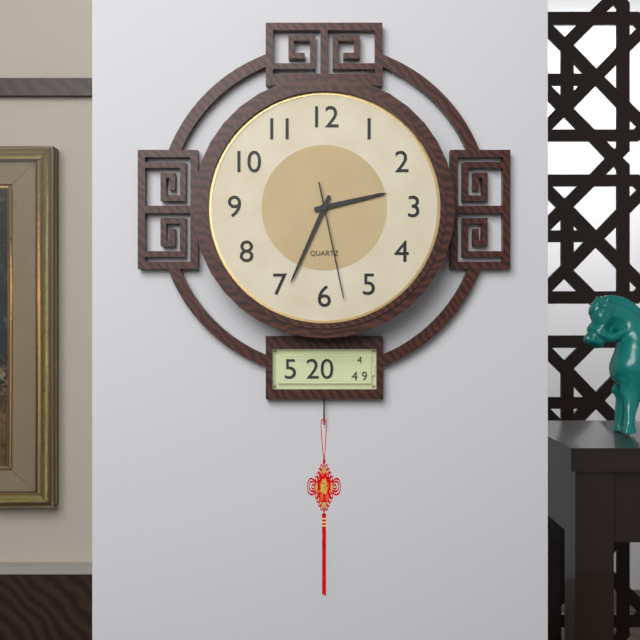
**2:34:28**
